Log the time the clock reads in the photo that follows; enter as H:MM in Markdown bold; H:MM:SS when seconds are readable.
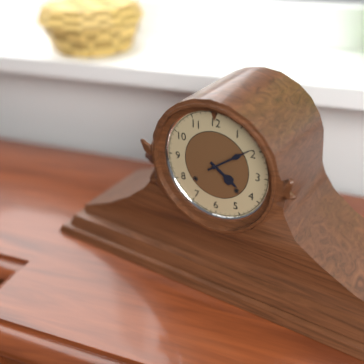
**4:09**
